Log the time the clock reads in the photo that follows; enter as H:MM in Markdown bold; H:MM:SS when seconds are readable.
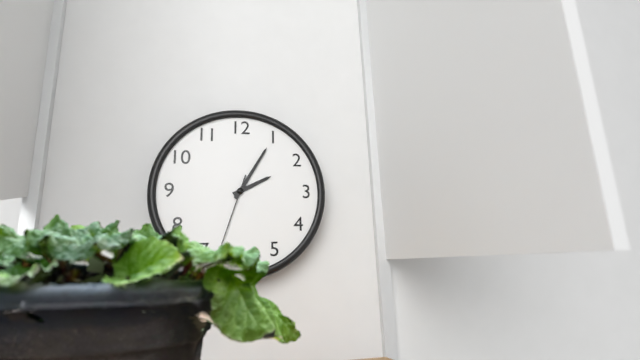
**2:05:33**
